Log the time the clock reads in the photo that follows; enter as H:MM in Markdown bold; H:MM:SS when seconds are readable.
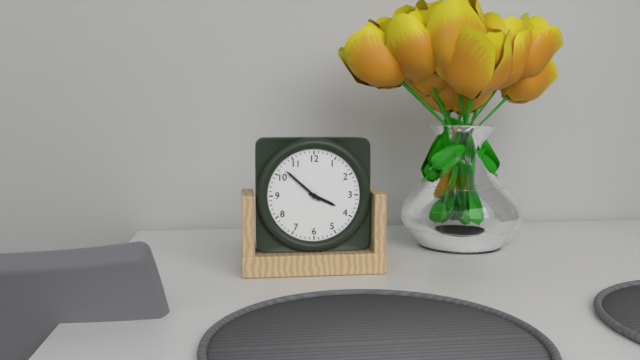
**3:52**
